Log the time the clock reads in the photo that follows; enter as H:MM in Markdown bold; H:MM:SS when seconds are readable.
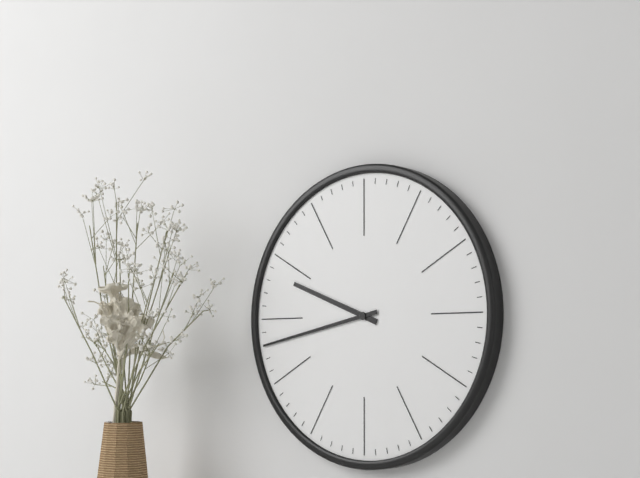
**9:43**
